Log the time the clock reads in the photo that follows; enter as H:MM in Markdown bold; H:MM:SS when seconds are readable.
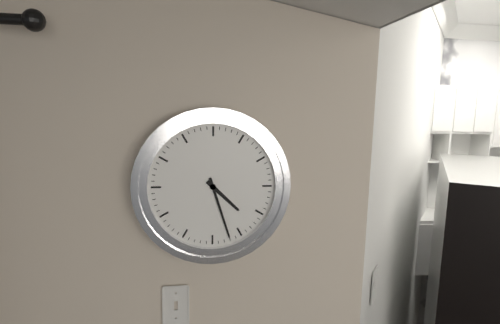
**4:27**
